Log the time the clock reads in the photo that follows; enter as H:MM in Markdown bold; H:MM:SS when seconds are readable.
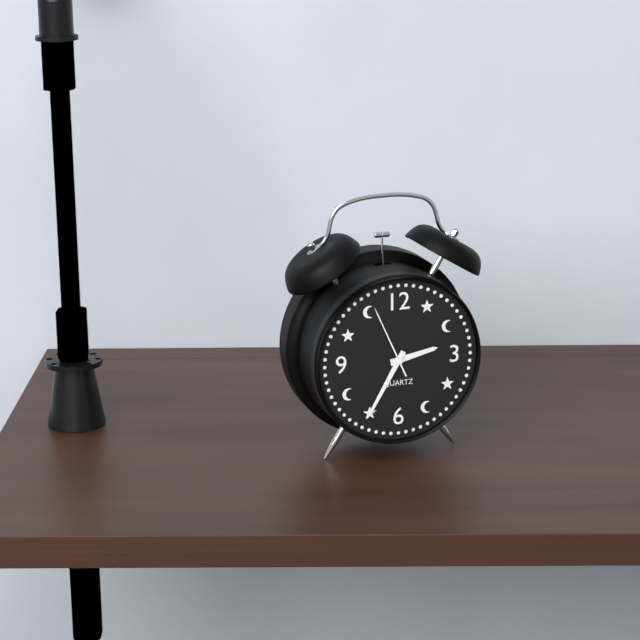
**2:35:56**
